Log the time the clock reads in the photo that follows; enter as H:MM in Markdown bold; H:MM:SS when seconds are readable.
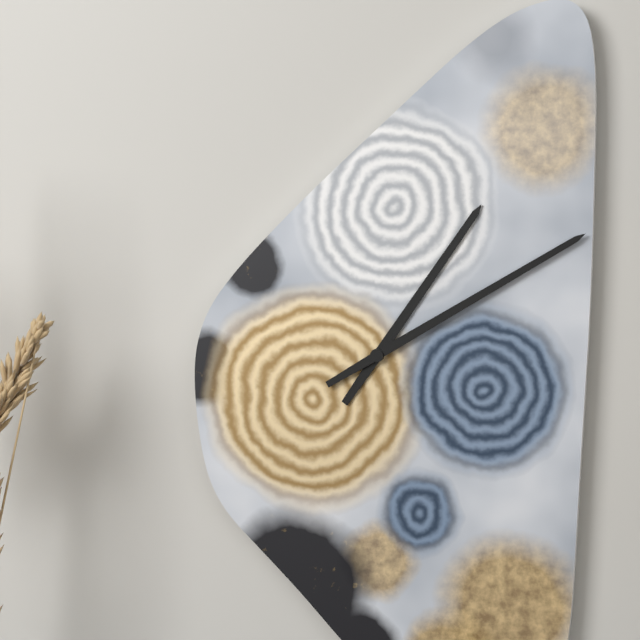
**1:10**
